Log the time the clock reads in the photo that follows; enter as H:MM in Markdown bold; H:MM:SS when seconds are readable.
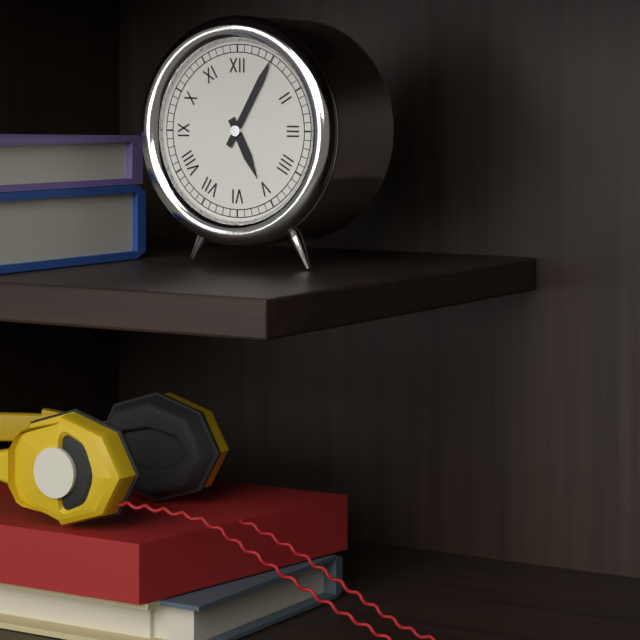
**5:05**
